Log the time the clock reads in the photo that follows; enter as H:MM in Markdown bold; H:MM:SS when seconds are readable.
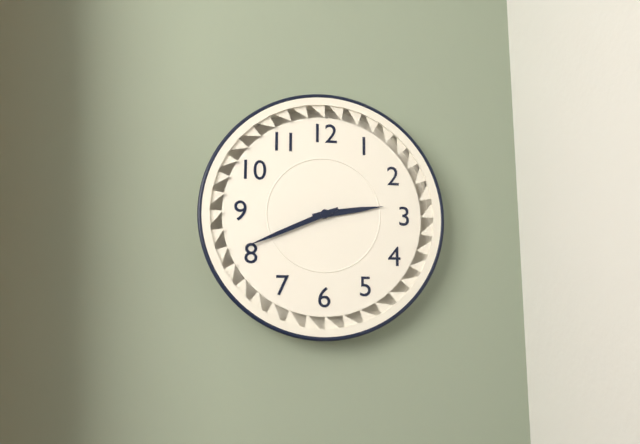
**2:41**
